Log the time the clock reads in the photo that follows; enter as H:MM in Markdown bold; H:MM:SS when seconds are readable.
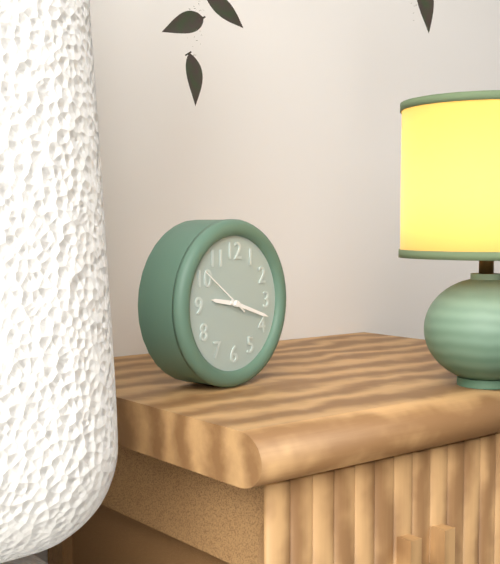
**9:18:51**
